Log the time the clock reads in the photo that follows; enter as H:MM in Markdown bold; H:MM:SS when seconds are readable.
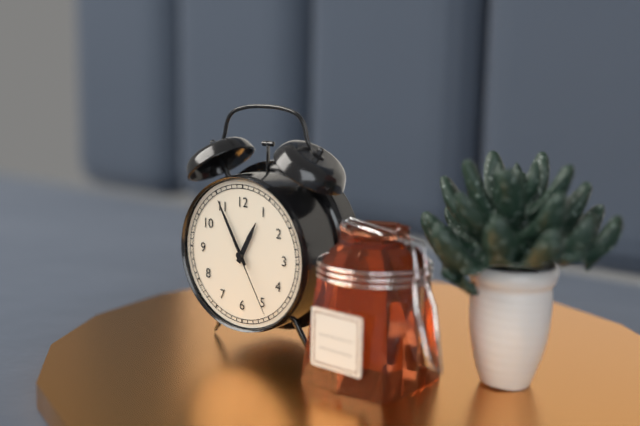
**12:55:25**
